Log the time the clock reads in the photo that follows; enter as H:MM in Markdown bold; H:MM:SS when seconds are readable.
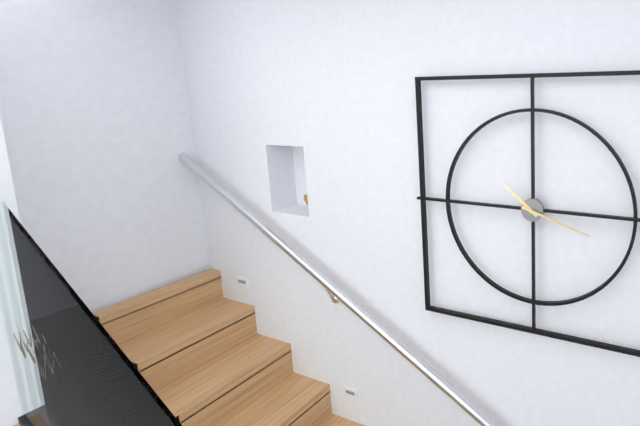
**10:18**
